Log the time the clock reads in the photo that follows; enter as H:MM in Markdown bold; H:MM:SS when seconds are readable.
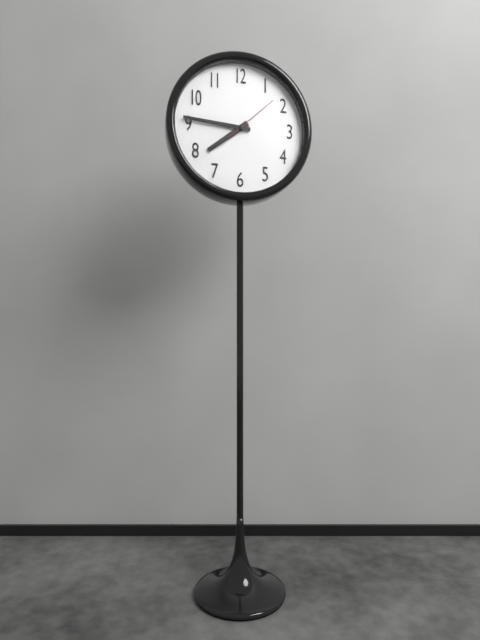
**7:46:08**
